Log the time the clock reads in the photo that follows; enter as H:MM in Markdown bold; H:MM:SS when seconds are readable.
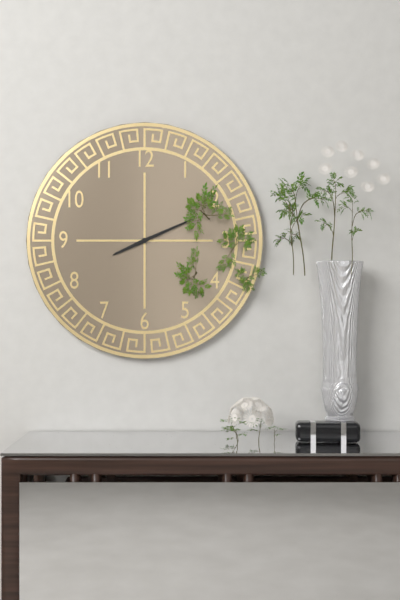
**8:11**
